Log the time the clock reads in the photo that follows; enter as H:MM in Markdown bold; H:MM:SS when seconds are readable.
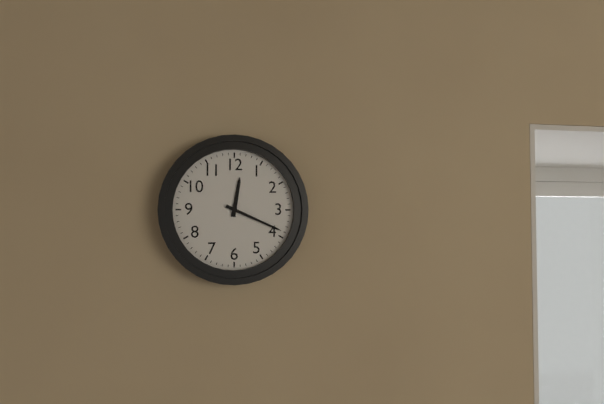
**12:19**
